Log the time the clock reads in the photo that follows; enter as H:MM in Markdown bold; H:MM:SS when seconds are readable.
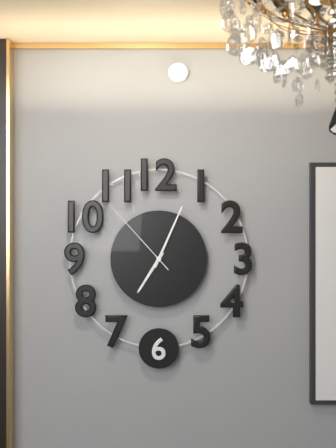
**7:04:53**
